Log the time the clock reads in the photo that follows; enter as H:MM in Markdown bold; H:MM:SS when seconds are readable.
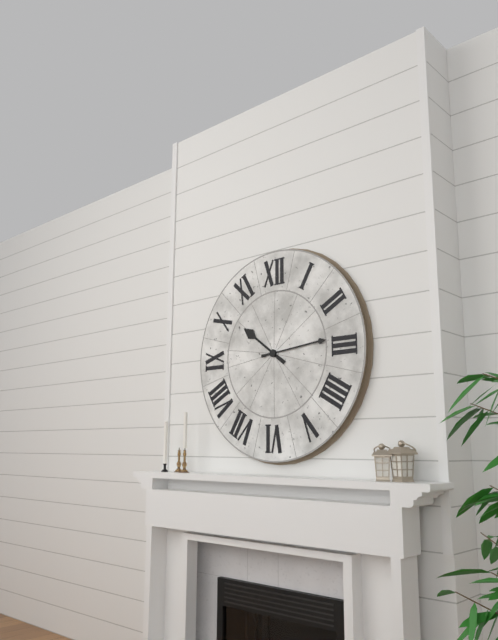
**10:14**
